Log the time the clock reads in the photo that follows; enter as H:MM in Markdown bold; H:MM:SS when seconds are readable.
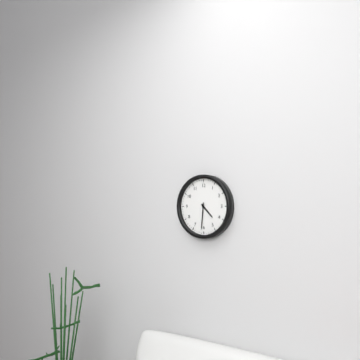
**4:31**
